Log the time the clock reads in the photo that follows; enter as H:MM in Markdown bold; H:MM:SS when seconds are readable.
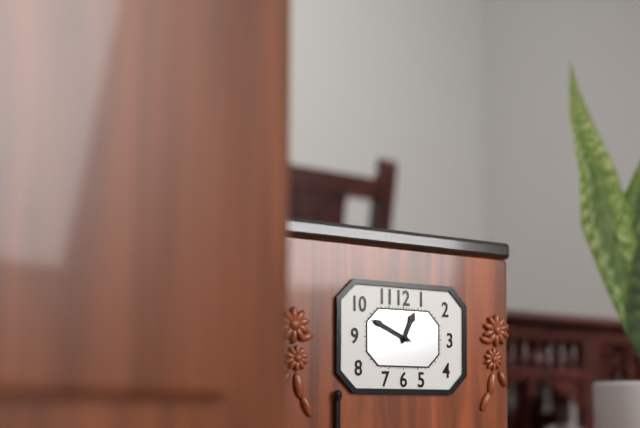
**12:49**
